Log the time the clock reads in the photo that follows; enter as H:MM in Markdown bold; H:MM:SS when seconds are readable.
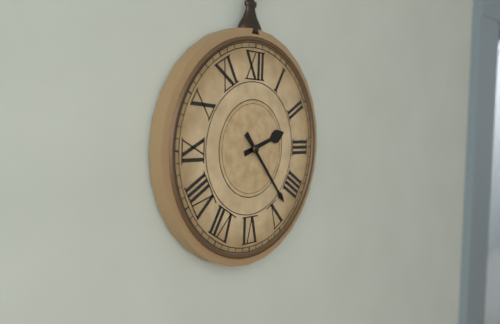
**2:23**
